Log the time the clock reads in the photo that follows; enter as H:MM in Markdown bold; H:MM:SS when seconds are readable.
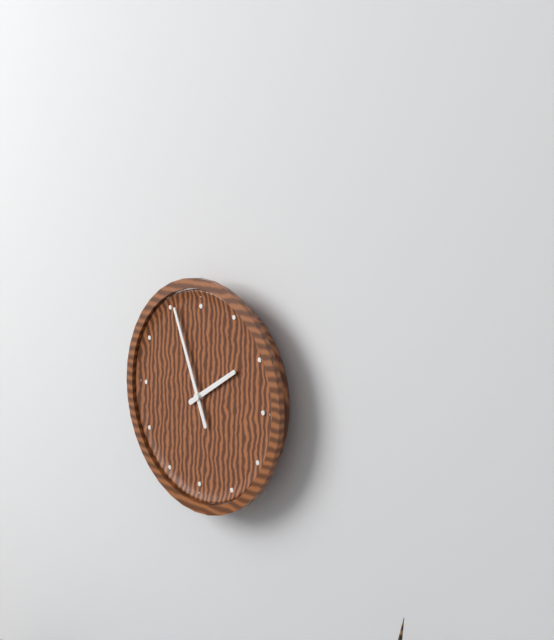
**1:56**
